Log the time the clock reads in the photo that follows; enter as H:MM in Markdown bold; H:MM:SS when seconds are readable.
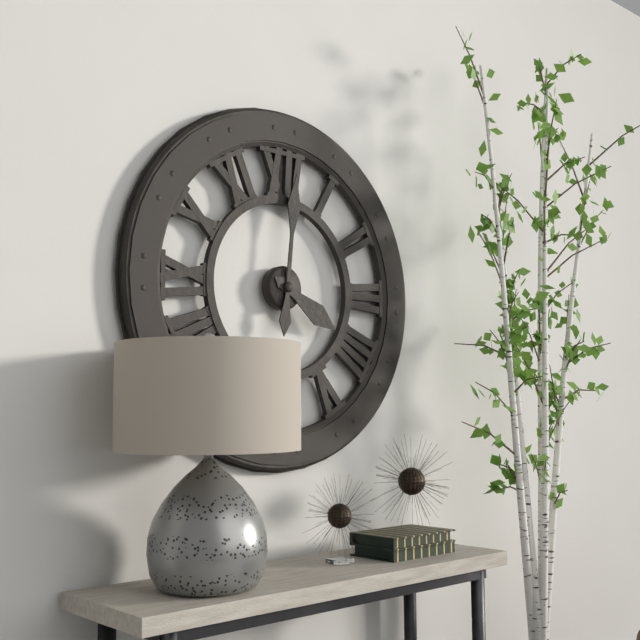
**4:01**
